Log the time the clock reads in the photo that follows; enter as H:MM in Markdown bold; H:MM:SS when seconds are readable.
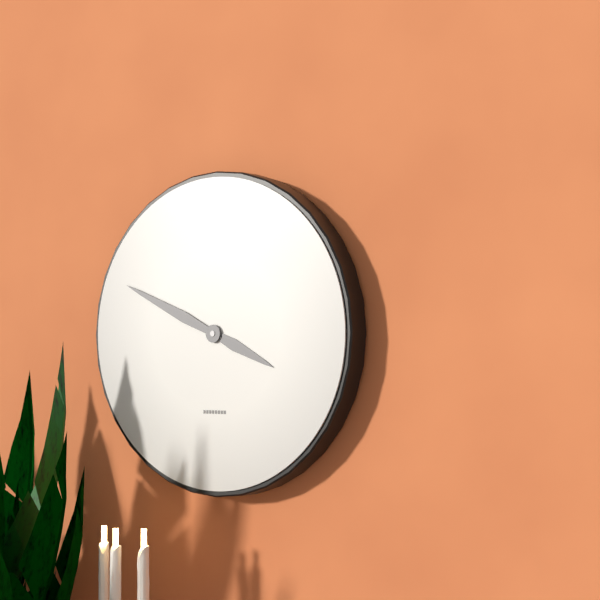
**3:49**
